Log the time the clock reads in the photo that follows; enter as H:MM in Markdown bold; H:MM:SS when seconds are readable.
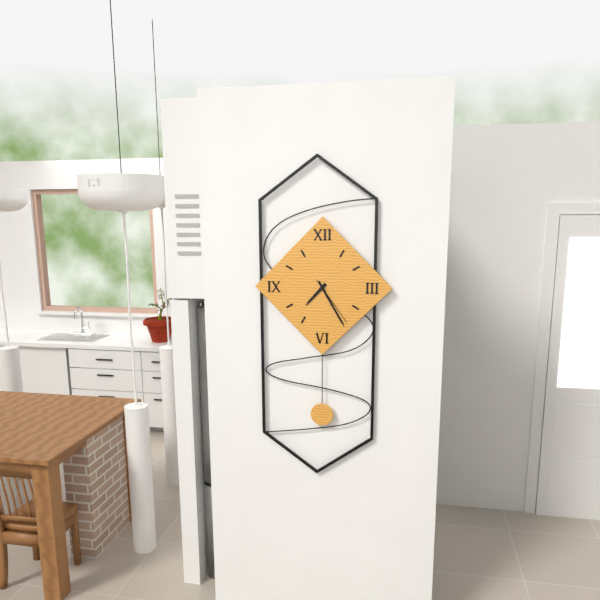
**7:25:24**
